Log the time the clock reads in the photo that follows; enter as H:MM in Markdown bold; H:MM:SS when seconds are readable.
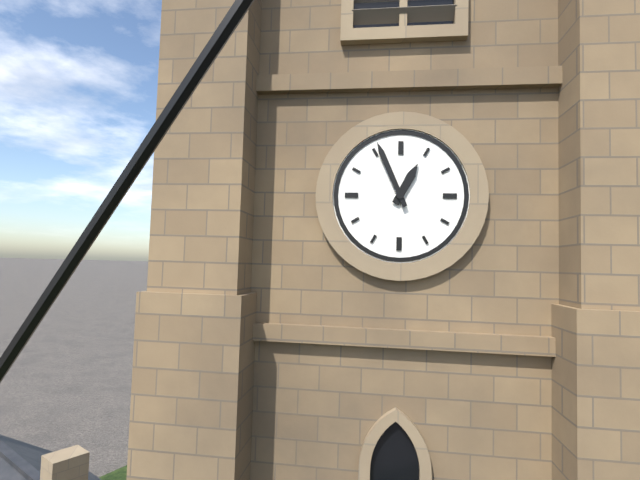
**12:56**
